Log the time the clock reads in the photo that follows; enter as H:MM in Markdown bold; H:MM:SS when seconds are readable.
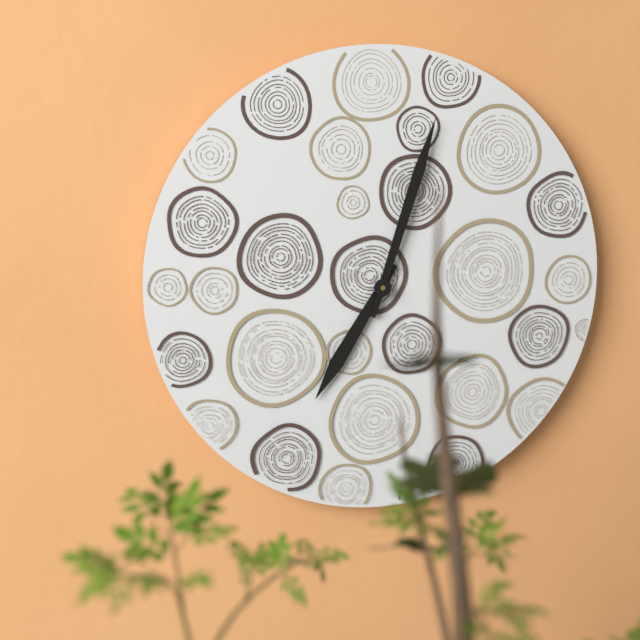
**7:03**
